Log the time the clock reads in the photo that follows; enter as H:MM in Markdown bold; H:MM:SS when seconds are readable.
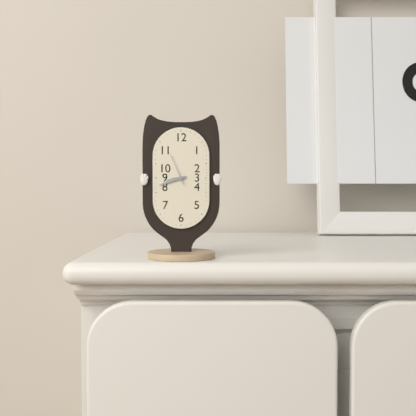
**8:42**
